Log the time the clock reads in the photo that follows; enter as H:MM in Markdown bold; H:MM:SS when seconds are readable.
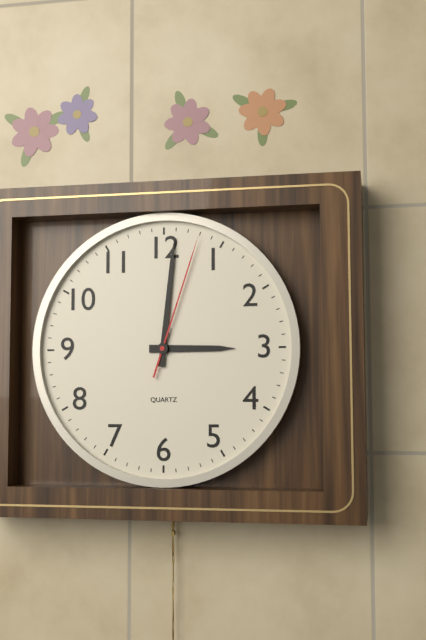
**3:01:03**
